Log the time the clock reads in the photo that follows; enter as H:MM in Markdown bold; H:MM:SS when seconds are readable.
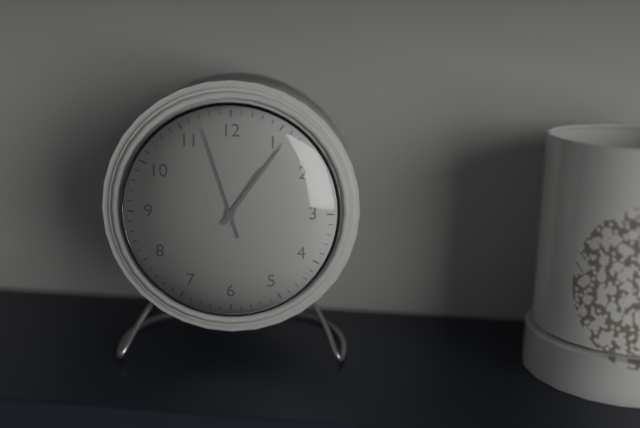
**1:06:57**
